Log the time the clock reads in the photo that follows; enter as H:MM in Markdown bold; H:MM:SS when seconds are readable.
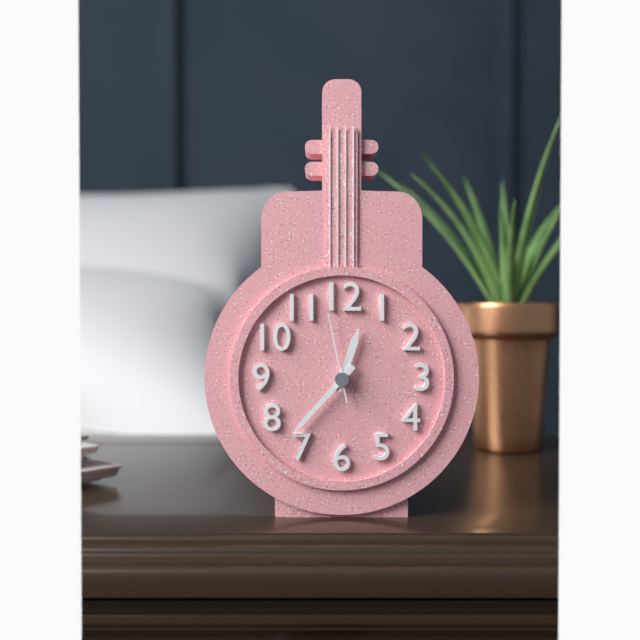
**12:37:58**
